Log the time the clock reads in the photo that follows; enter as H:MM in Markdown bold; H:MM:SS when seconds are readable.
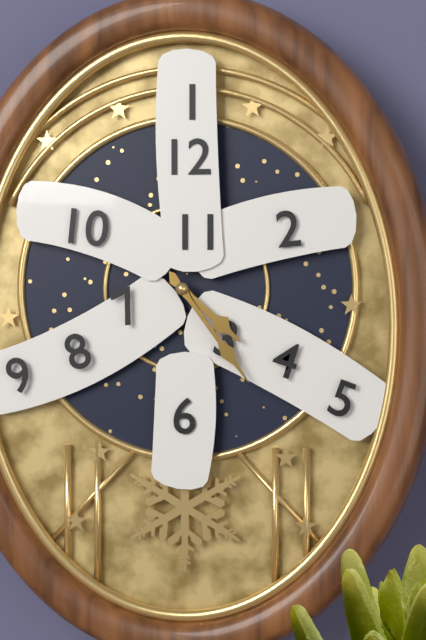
**4:24**
